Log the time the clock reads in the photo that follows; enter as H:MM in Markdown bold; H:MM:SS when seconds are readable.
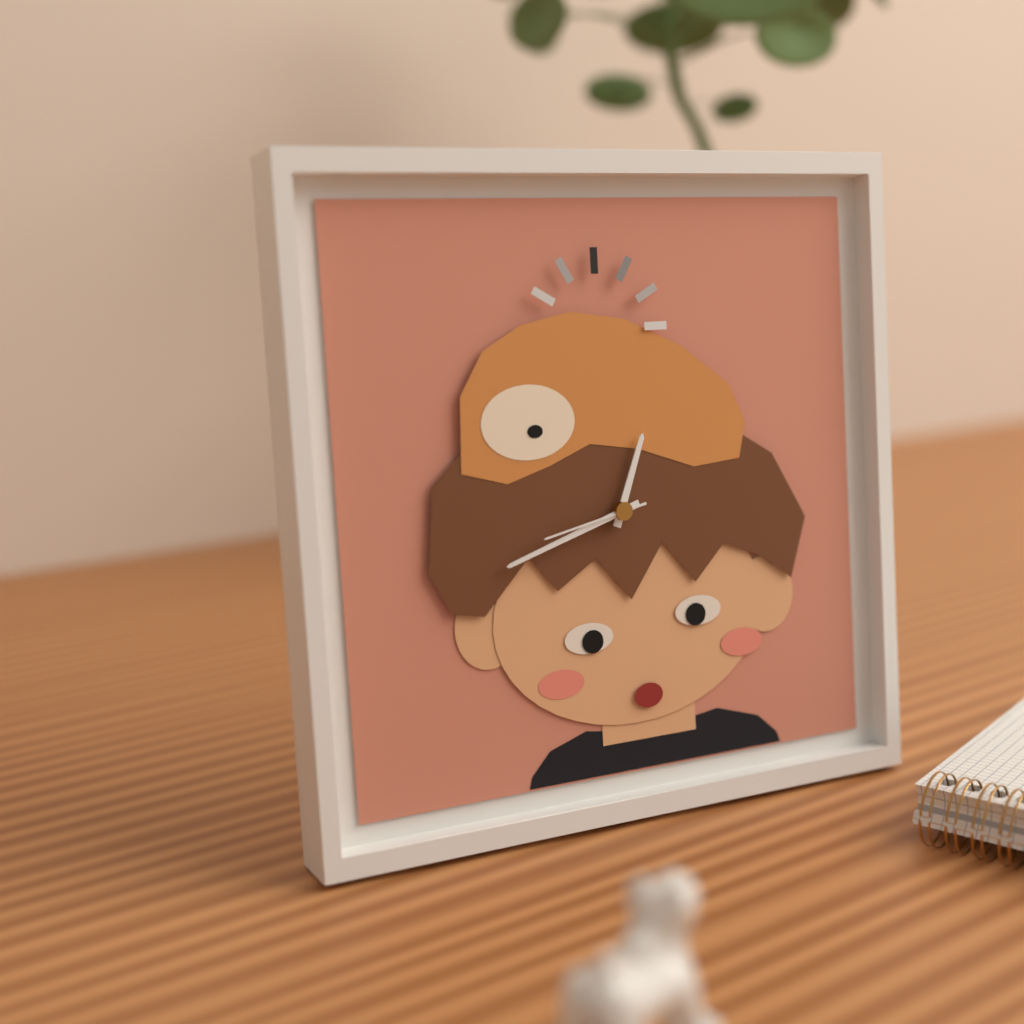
**12:42:43**
